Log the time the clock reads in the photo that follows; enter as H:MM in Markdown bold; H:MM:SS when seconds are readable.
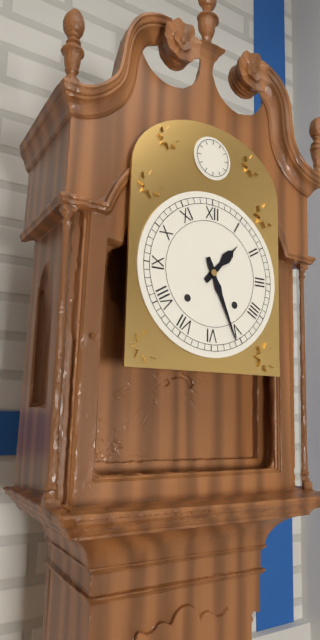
**1:26**
